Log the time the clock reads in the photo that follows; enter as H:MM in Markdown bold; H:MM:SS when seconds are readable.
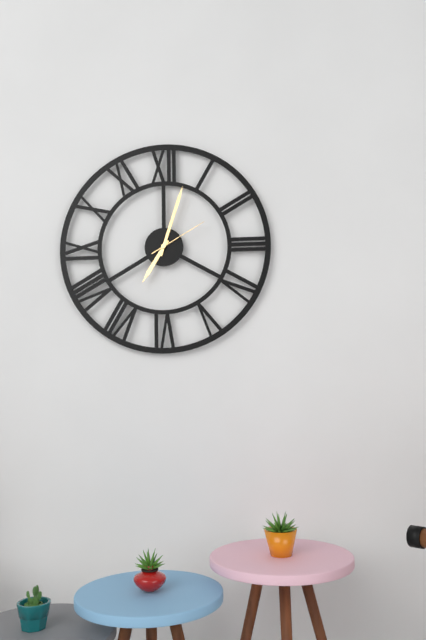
**7:03:10**
